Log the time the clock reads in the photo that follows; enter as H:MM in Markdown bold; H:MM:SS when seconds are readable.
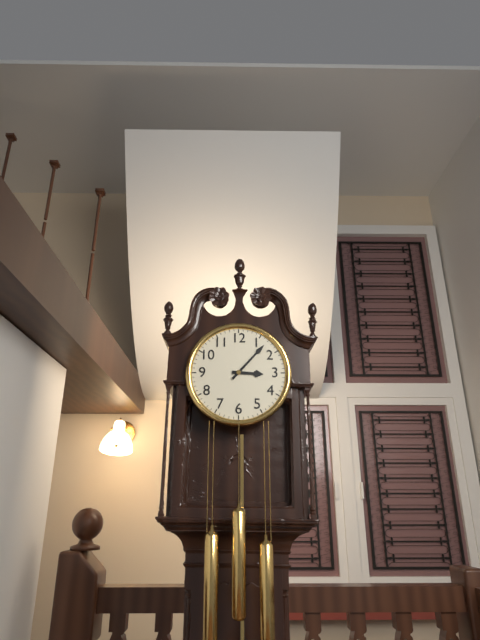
**3:07**
